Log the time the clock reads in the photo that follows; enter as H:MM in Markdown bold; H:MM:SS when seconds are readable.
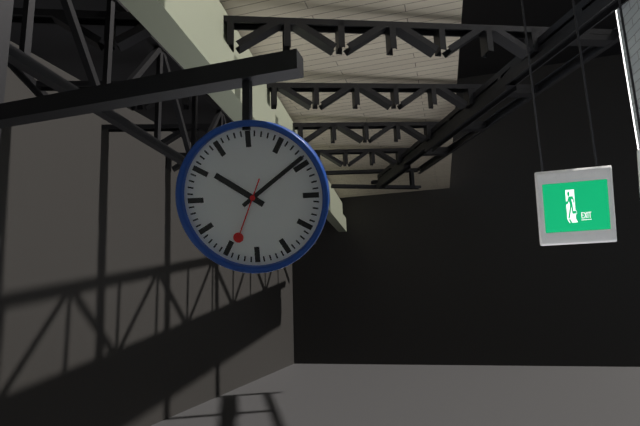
**10:09:34**
